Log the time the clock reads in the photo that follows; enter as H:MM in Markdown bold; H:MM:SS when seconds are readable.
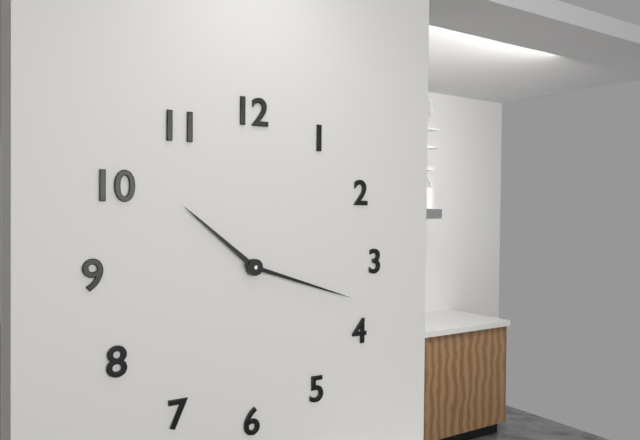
**10:18**
